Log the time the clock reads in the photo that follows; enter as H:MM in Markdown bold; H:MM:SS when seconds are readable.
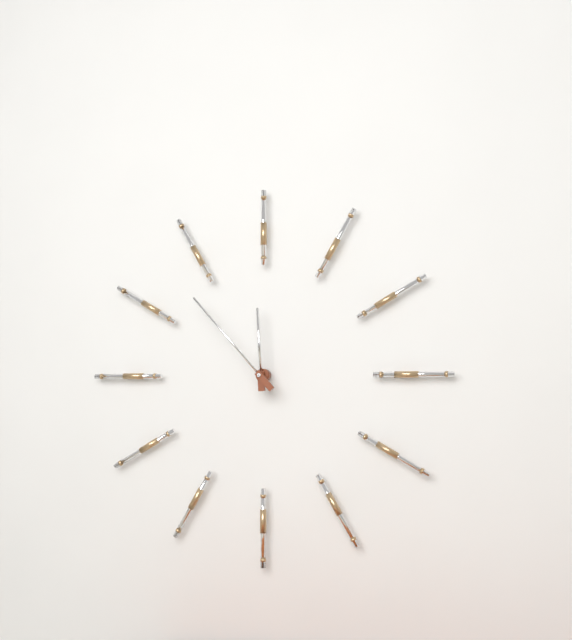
**11:53**
